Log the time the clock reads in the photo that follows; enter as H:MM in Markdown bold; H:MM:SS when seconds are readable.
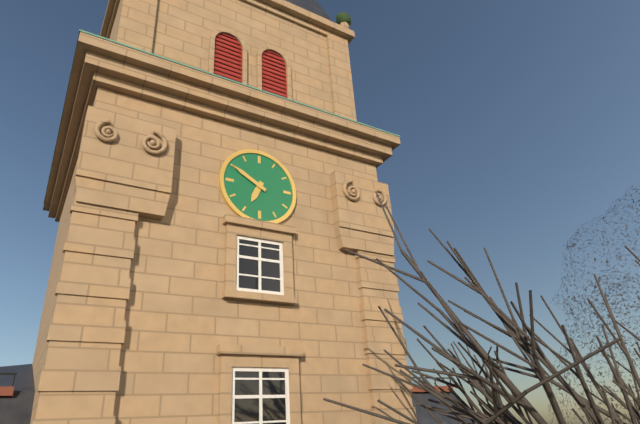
**6:50**
